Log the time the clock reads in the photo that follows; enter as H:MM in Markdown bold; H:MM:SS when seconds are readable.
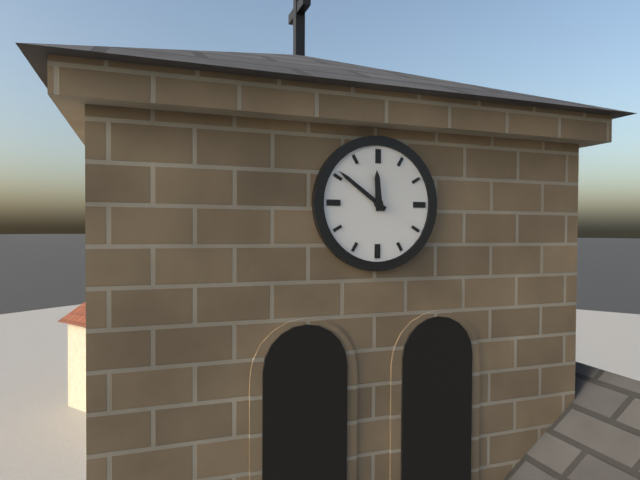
**11:51**
